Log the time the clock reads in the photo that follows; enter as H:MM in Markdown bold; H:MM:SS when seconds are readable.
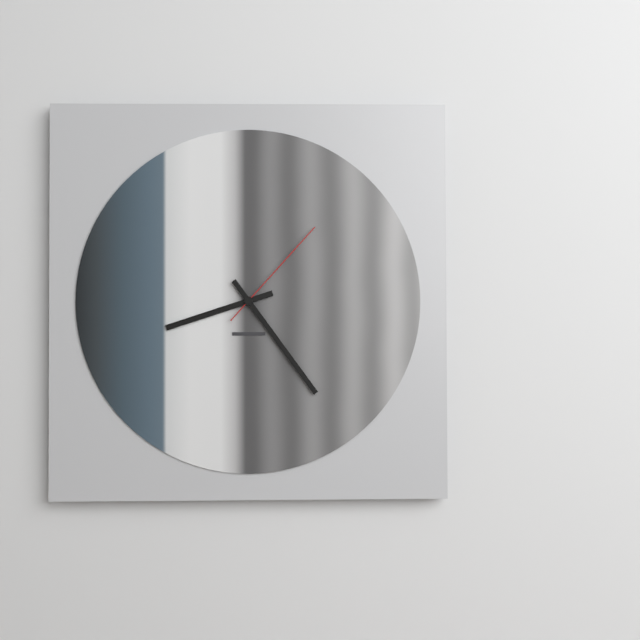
**8:24:07**
